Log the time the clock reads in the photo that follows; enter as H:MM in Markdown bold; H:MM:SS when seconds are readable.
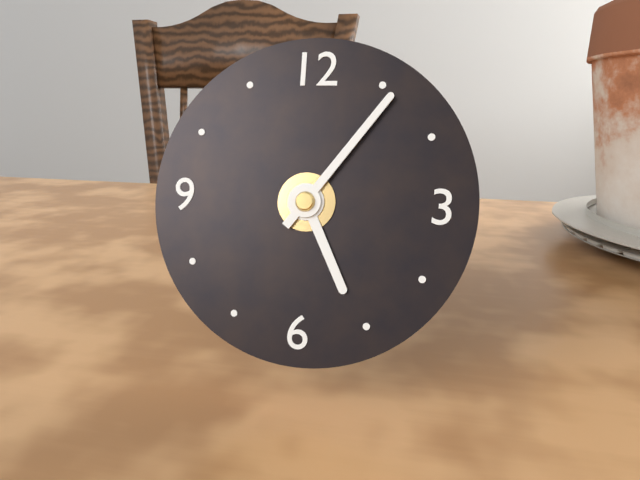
**5:06**
